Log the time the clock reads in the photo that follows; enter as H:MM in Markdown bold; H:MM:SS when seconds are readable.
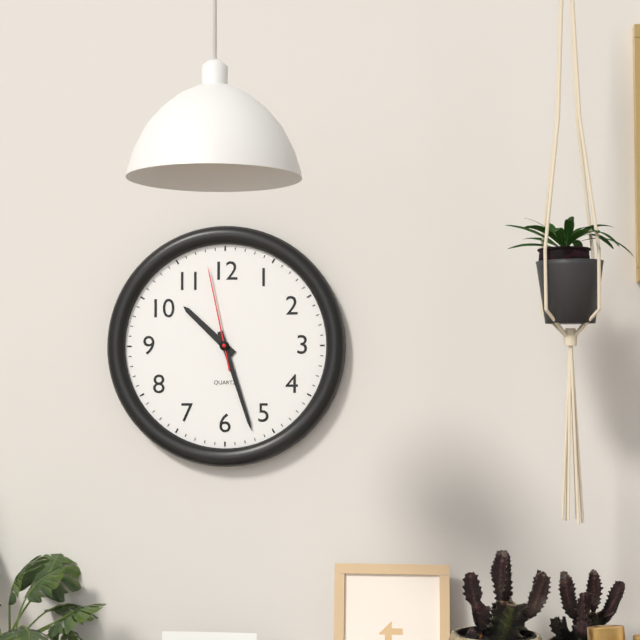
**10:27:58**
